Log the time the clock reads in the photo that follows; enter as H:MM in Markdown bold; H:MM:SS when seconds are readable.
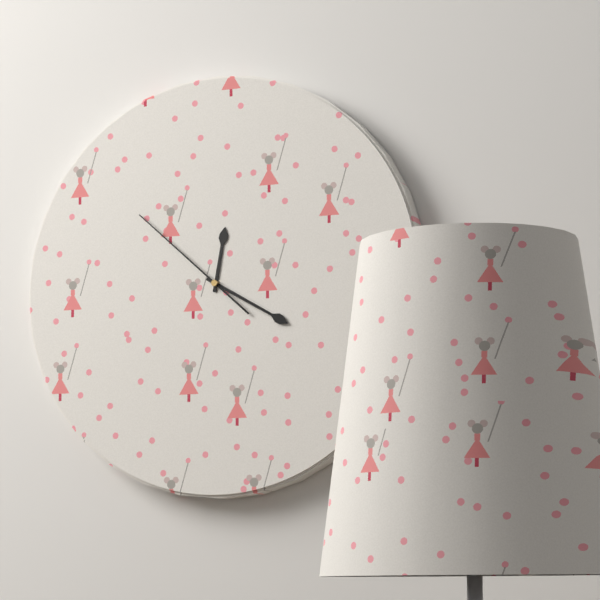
**12:20:52**
